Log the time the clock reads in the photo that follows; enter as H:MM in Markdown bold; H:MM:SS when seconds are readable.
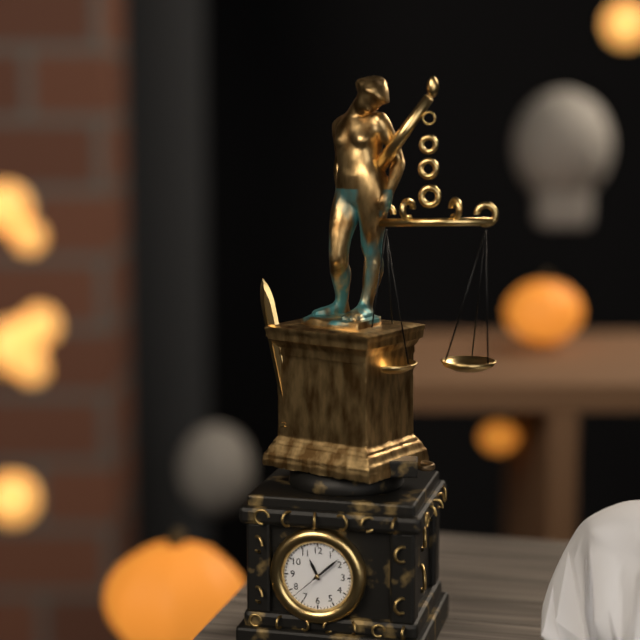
**11:08**
